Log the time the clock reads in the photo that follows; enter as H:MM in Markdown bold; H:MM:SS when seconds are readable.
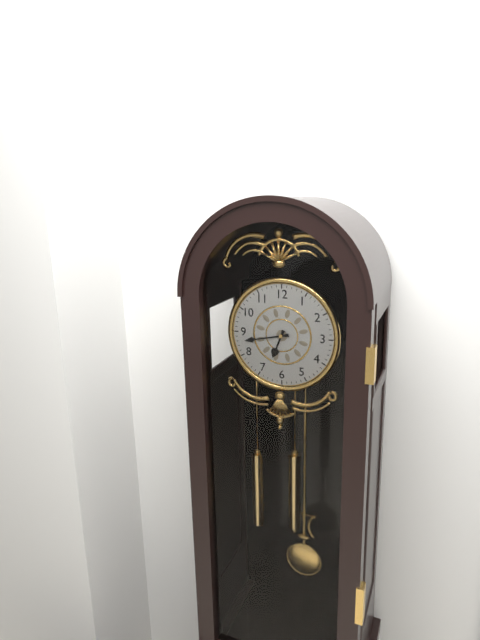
**6:43**
